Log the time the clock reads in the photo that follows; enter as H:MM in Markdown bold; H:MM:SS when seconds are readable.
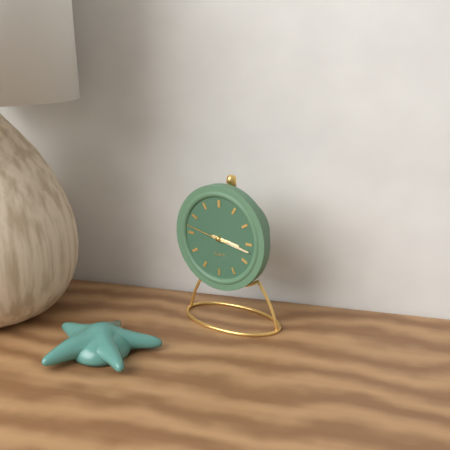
**3:17**
